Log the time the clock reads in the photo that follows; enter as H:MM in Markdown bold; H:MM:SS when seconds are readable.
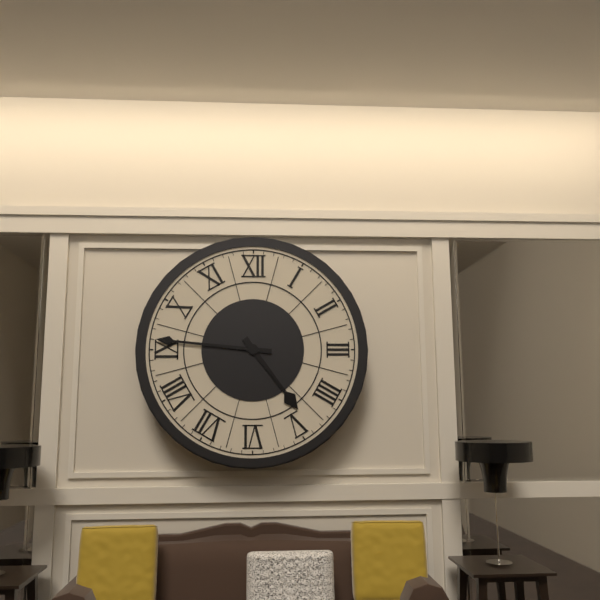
**4:46**
